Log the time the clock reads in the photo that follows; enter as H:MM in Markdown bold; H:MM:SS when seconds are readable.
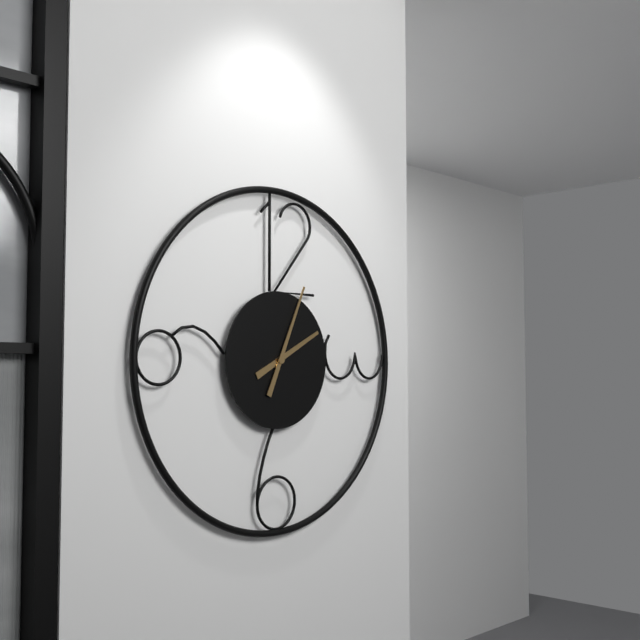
**2:04**
